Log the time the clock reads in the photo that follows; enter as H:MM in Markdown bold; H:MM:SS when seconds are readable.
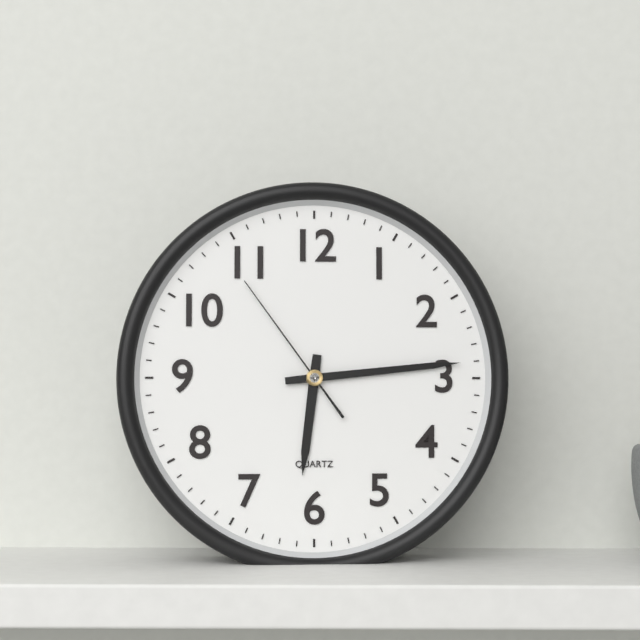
**6:14:54**
